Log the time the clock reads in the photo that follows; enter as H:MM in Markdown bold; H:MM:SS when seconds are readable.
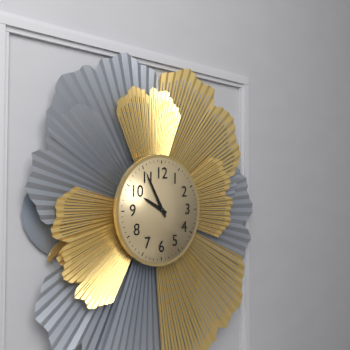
**9:55**
